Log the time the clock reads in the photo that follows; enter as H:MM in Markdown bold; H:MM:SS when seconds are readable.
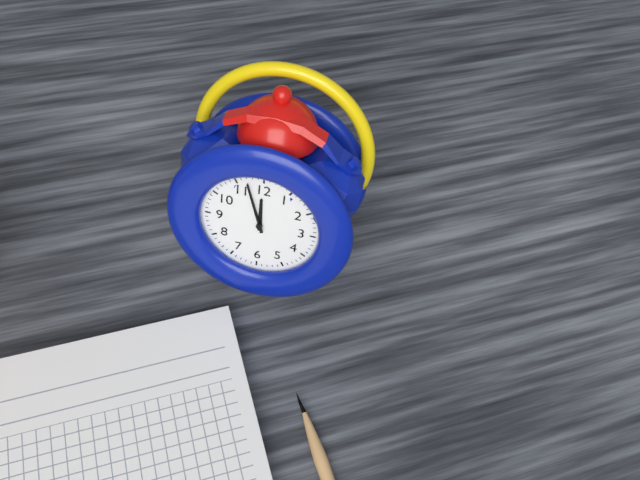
**11:57**
